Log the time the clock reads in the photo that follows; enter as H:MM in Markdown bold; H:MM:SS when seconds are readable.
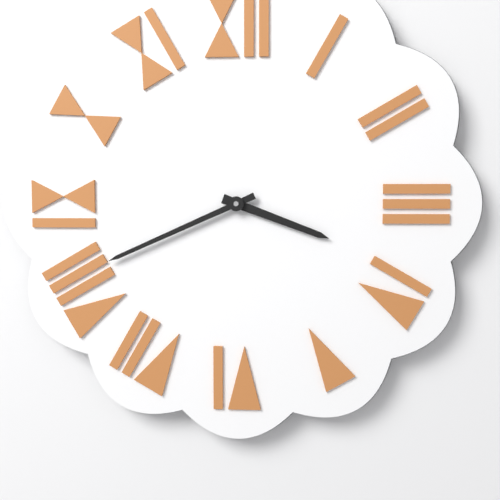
**3:41**
